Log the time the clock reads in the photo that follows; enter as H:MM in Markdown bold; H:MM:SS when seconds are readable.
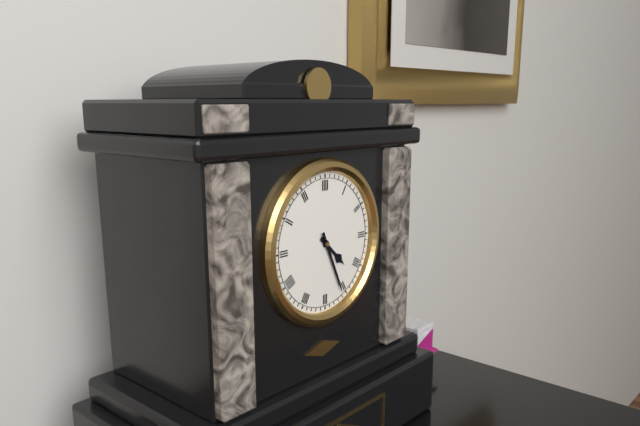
**4:26**
